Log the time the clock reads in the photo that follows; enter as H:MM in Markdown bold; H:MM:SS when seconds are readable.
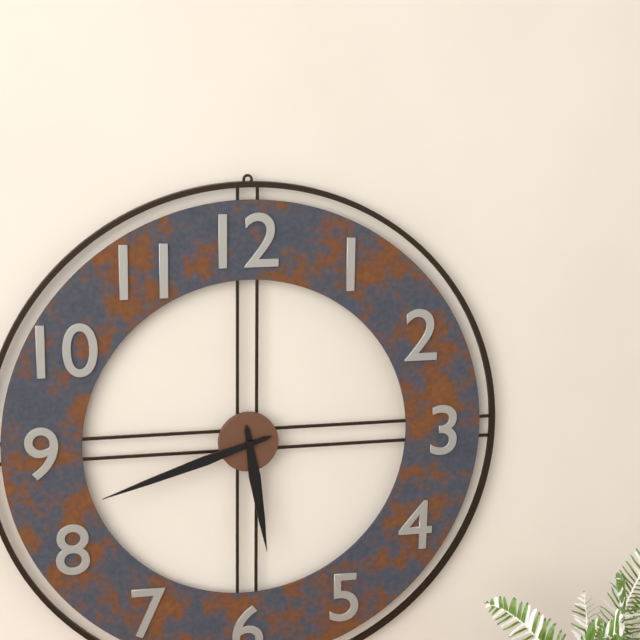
**5:42**
